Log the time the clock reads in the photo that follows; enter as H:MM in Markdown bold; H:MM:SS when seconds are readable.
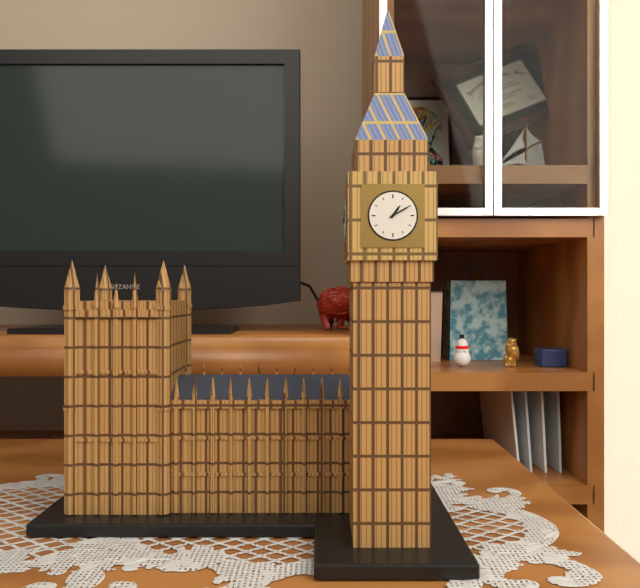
**1:10**
